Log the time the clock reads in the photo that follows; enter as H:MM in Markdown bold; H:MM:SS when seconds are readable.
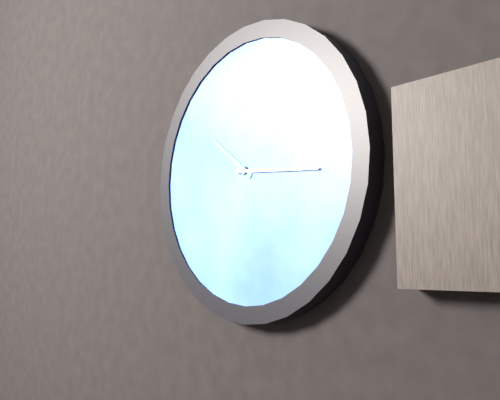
**10:16**
